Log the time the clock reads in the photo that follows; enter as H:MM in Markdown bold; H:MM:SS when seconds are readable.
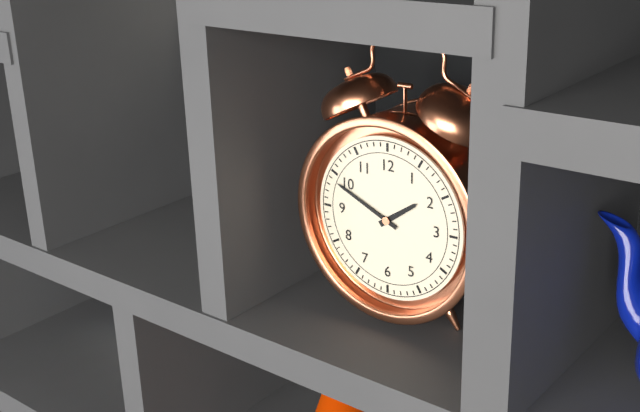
**1:49**
